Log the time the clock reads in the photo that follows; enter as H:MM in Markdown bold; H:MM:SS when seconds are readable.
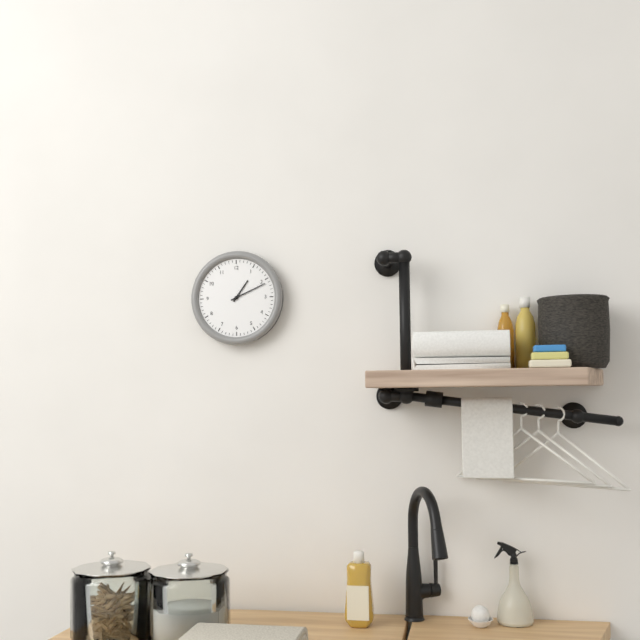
**1:11**
